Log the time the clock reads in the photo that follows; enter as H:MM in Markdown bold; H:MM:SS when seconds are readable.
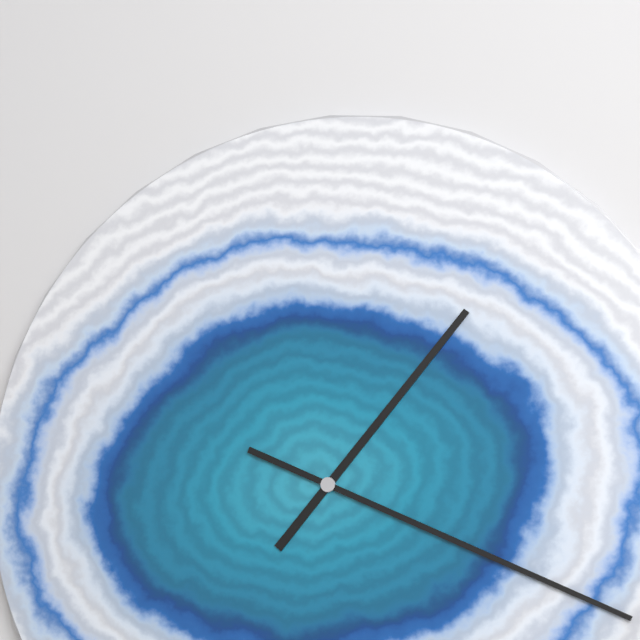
**1:19**
